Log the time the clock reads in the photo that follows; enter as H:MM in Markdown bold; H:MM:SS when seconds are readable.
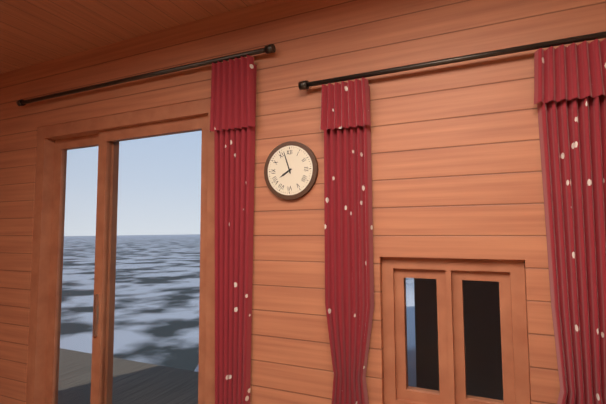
**7:57**
